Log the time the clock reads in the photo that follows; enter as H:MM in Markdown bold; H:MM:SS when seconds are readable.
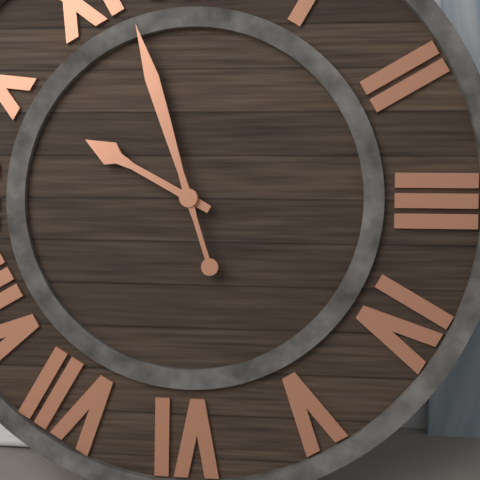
**9:57**
